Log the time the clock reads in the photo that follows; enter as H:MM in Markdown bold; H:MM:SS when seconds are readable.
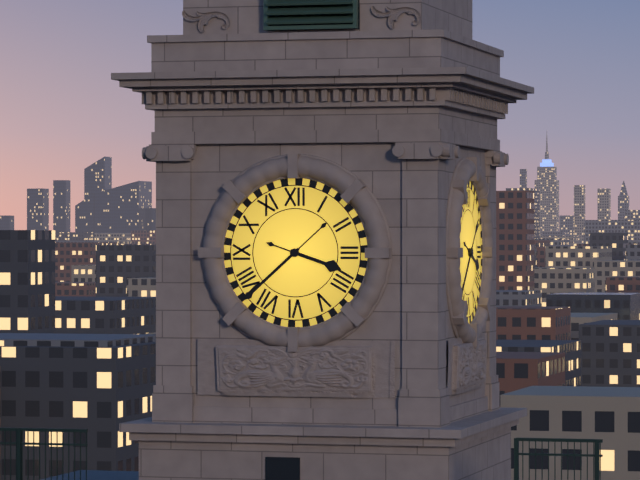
**3:38**
